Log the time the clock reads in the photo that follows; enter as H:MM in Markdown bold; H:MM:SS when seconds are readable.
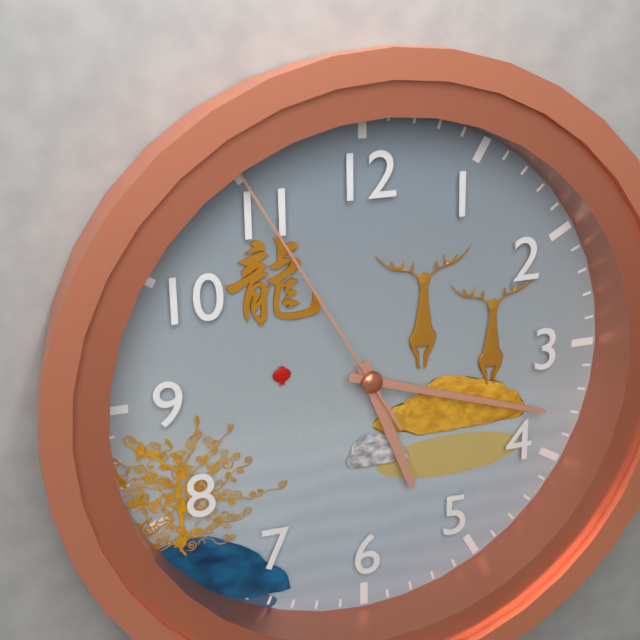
**5:18:55**
